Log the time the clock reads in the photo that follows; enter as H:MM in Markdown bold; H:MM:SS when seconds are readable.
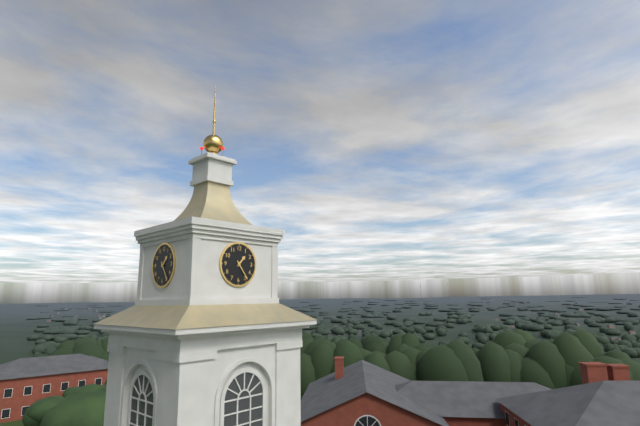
**1:24**
